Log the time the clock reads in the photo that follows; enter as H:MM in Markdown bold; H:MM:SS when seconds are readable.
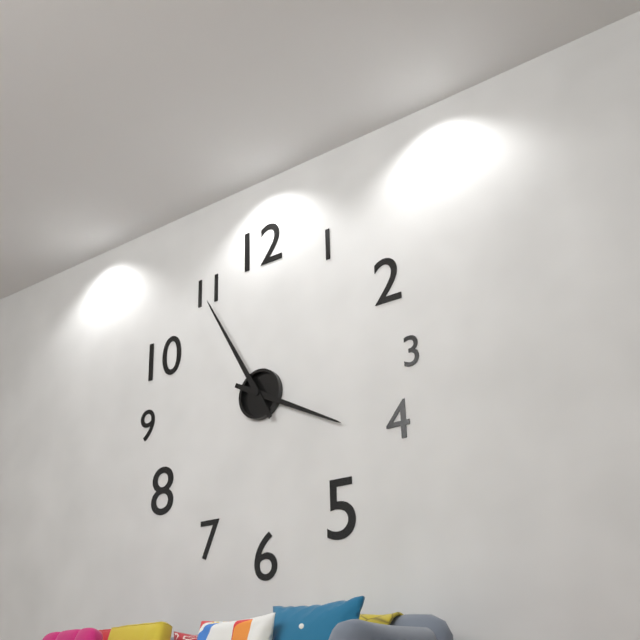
**3:55**
